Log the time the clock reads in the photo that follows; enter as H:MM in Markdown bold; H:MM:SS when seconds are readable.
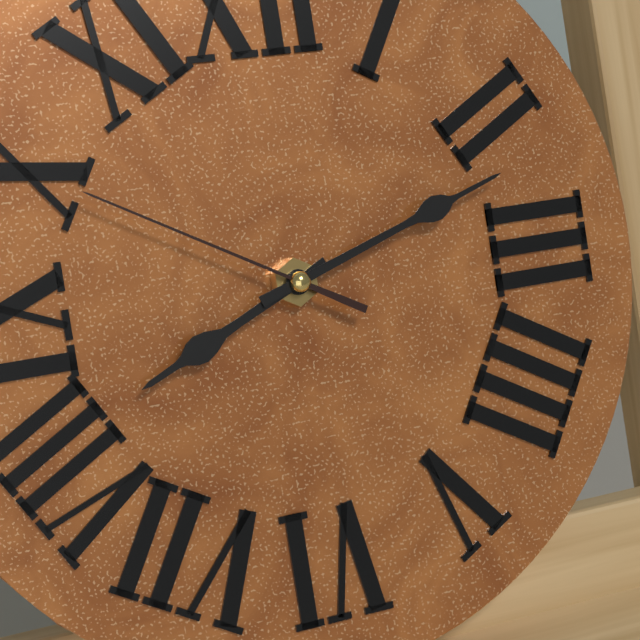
**8:12:50**
